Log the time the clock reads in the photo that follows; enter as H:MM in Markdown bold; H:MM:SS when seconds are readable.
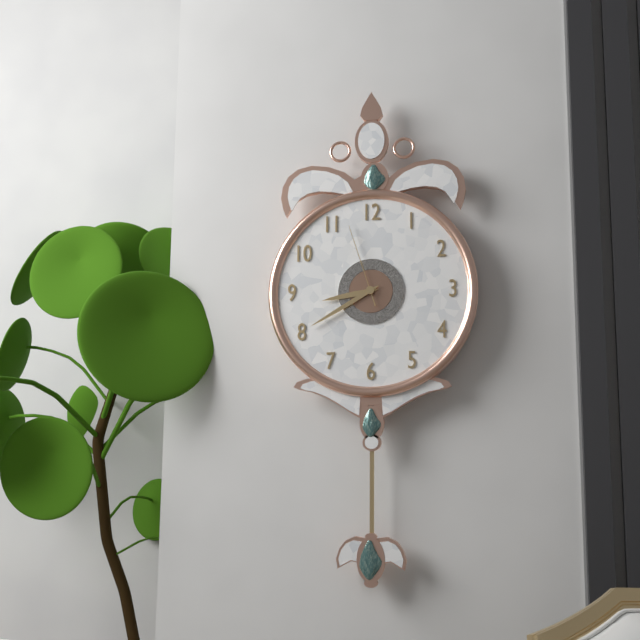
**8:40:57**
